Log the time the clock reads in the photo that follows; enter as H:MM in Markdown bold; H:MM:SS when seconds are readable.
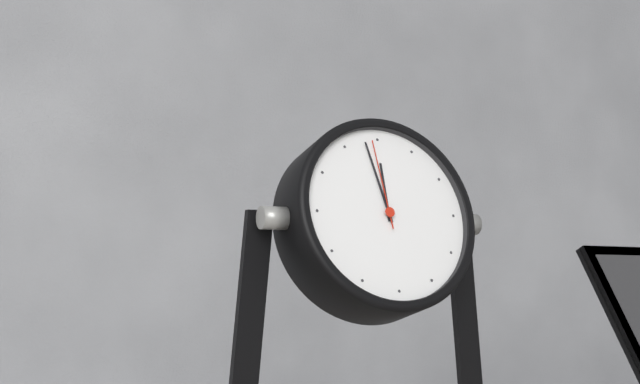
**11:58:59**
